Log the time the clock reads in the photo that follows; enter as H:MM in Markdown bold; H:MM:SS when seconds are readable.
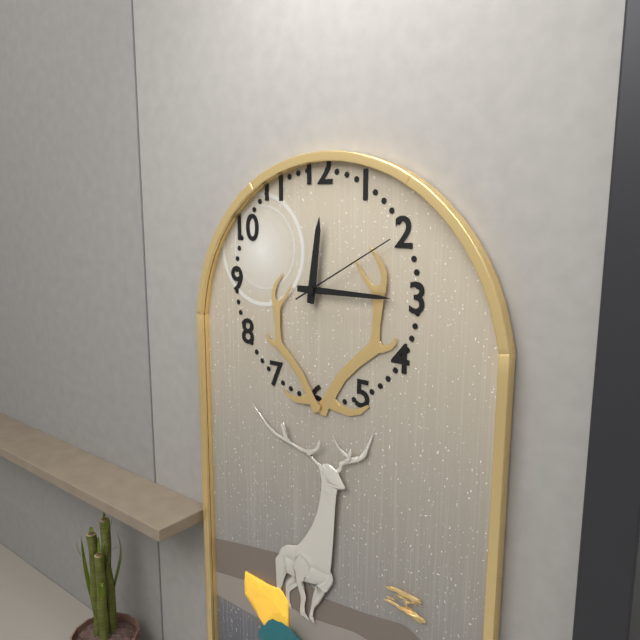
**12:15:10**
